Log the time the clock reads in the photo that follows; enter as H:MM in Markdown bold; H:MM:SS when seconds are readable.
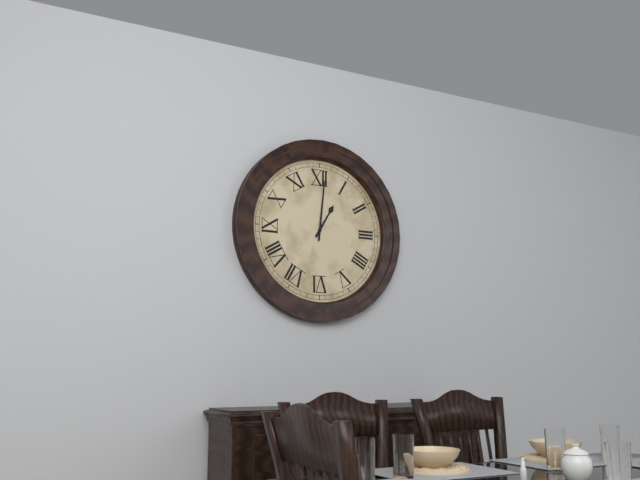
**1:01**
